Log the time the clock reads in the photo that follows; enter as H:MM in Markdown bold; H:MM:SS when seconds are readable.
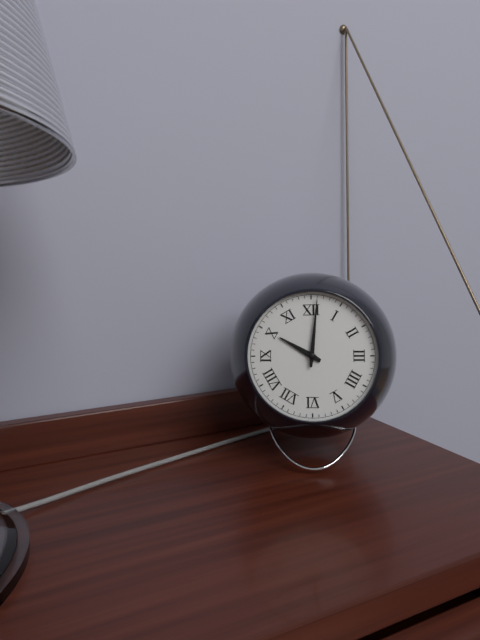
**10:01**
